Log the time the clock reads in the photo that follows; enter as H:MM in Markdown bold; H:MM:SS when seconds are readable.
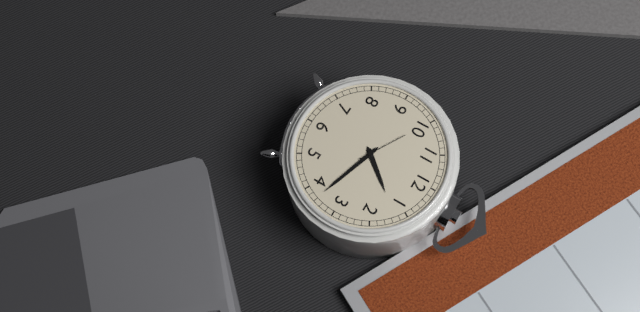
**1:18**
